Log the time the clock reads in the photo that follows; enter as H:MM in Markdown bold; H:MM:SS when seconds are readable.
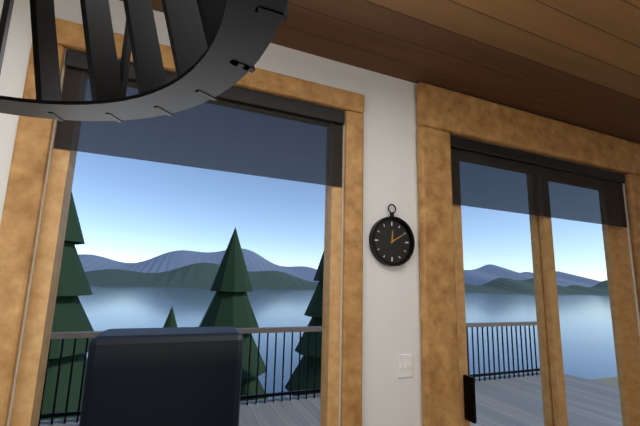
**12:10**
